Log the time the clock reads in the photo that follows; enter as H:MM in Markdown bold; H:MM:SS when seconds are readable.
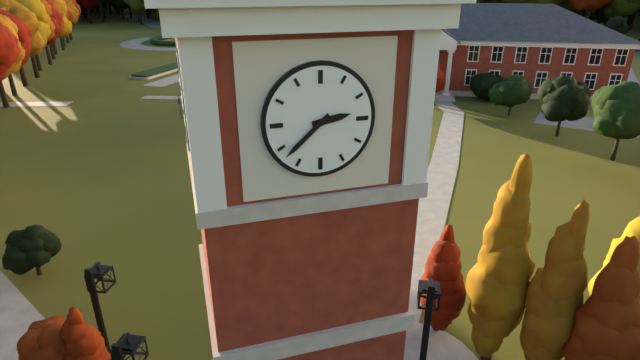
**2:38**
